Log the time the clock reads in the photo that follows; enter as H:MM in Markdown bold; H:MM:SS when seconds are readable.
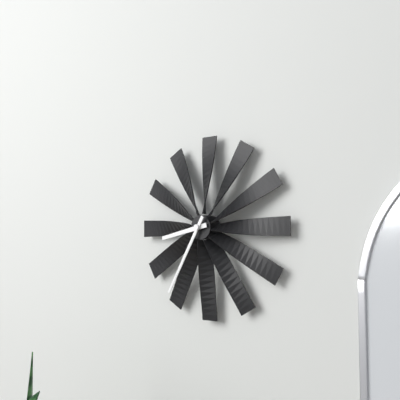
**8:35**
